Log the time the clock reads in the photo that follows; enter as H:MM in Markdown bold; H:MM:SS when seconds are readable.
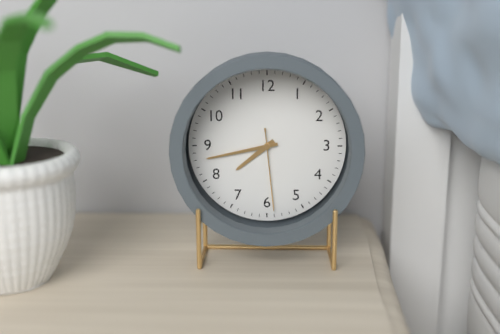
**7:43:29**
